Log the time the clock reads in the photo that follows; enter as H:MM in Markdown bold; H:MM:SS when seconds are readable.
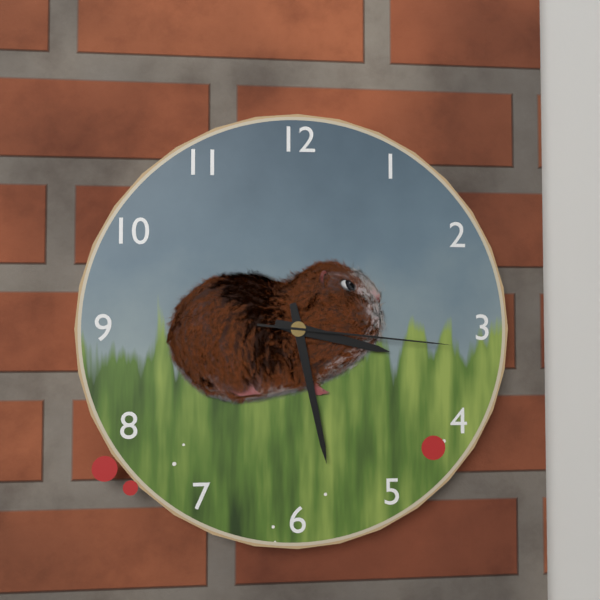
**3:28:16**
